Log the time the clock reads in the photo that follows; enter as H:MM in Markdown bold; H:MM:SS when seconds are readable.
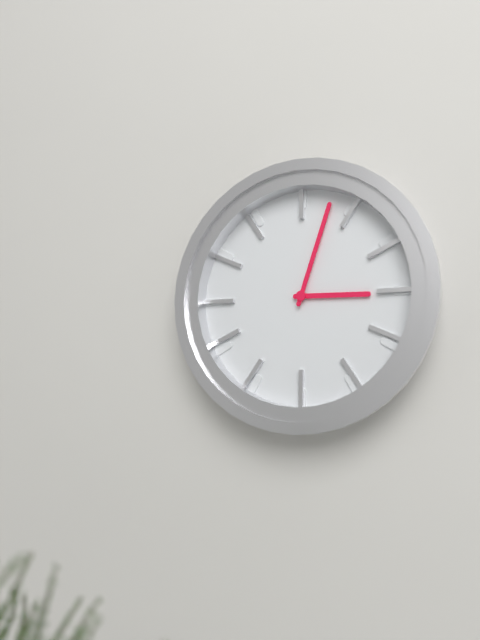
**3:03**
